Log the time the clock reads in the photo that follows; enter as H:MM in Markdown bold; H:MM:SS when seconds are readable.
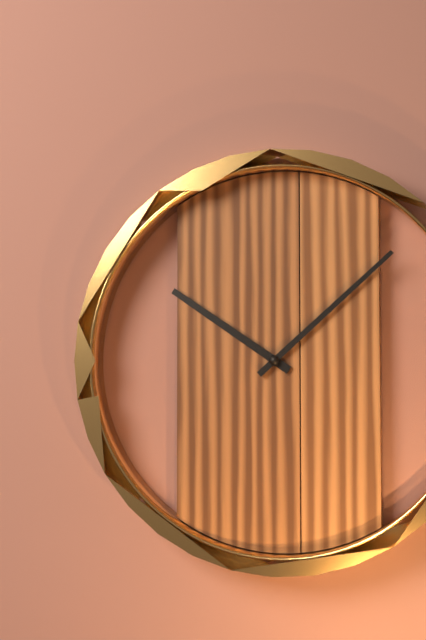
**10:08**
